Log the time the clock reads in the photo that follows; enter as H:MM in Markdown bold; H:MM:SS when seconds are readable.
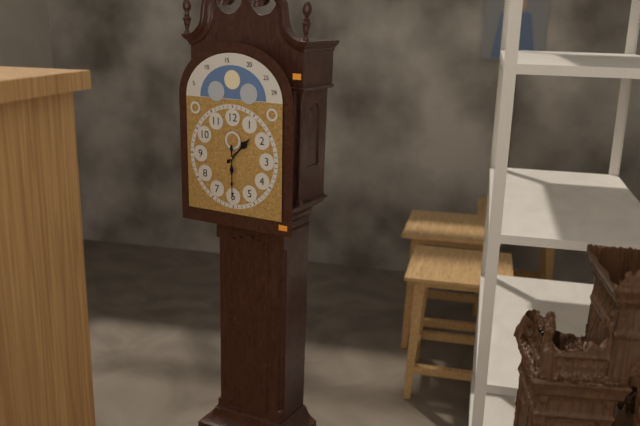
**1:30**
